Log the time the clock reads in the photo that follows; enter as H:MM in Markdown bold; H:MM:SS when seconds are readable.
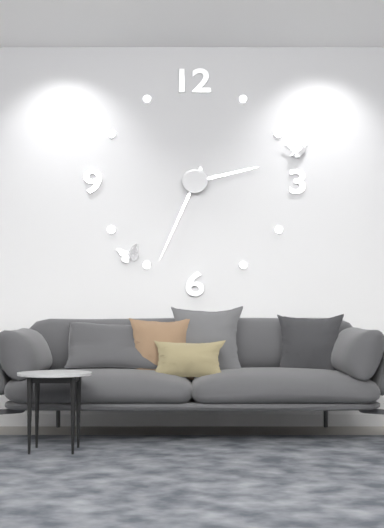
**2:34**
